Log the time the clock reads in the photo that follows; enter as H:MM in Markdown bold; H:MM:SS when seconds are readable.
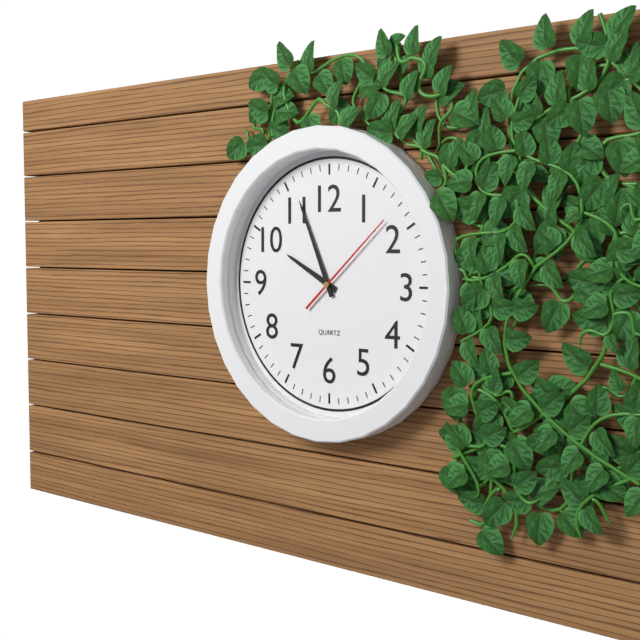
**9:56:08**
